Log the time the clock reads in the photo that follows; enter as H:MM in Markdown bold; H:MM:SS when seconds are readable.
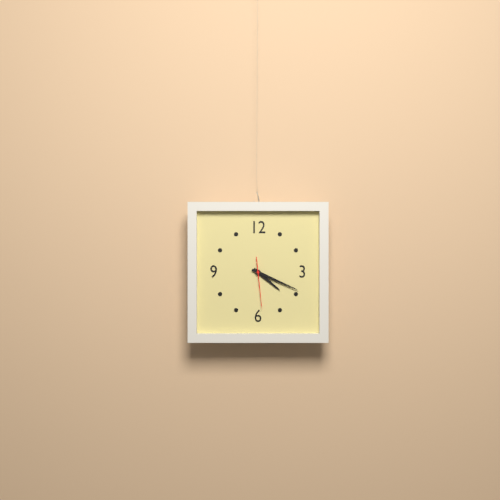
**4:19**
